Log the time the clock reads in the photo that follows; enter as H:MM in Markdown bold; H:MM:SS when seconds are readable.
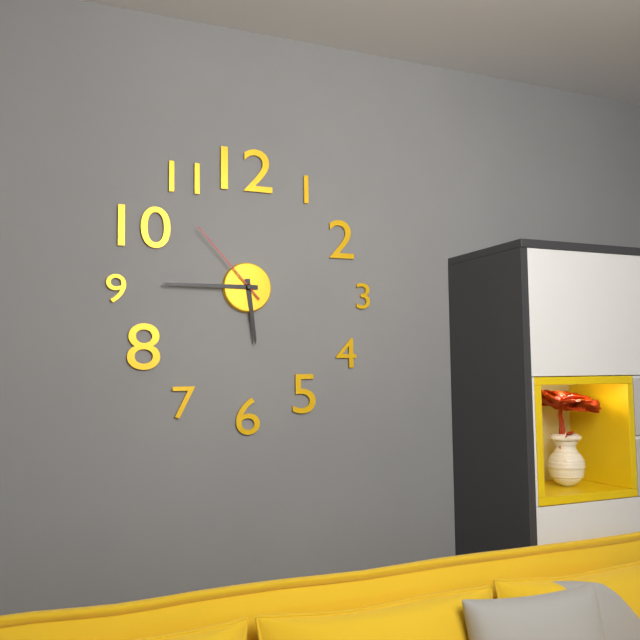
**5:45:53**
